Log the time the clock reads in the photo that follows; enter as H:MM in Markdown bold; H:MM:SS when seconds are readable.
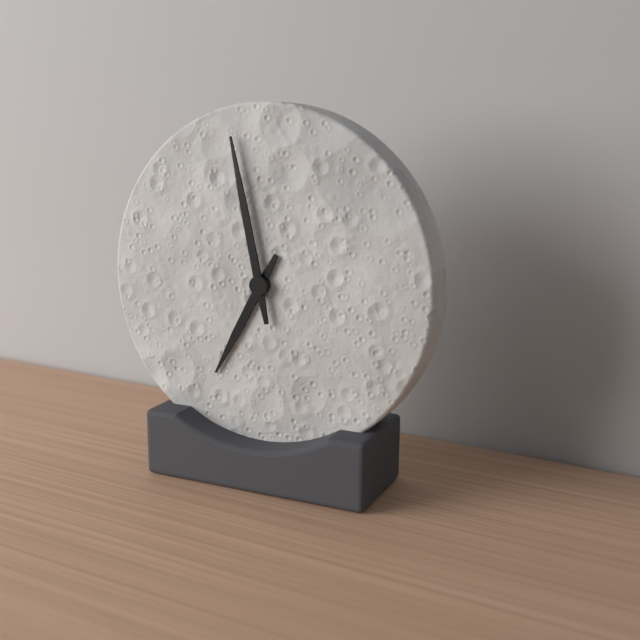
**6:58**
